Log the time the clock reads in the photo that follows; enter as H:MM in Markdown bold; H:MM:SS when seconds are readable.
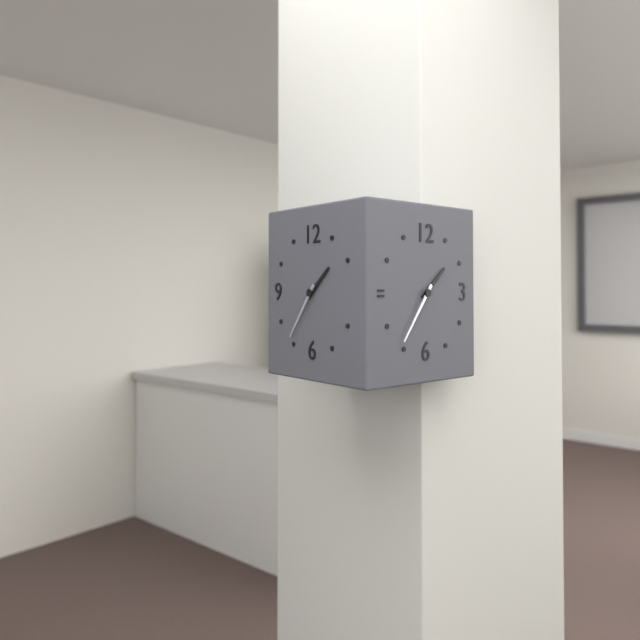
**1:36**
